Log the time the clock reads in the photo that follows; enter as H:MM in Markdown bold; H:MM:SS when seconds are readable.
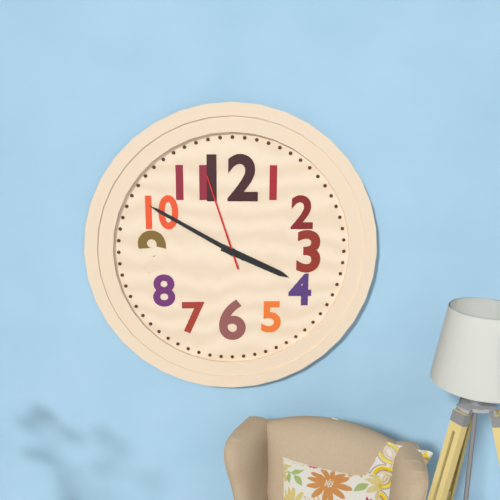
**3:50:57**
